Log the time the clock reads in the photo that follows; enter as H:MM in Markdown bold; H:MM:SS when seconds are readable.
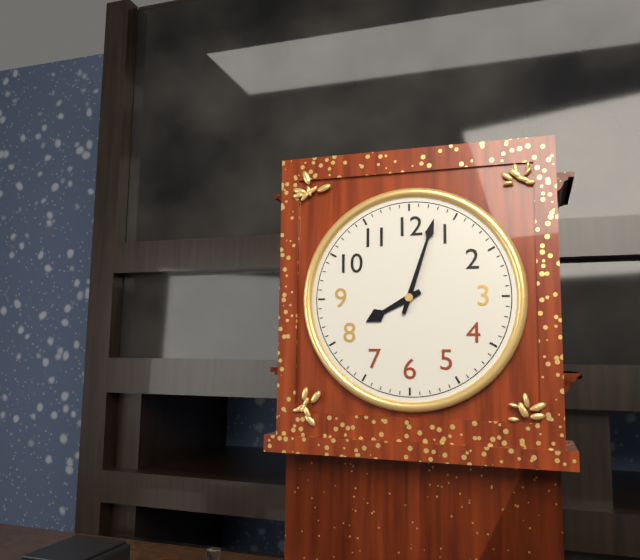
**8:03**
